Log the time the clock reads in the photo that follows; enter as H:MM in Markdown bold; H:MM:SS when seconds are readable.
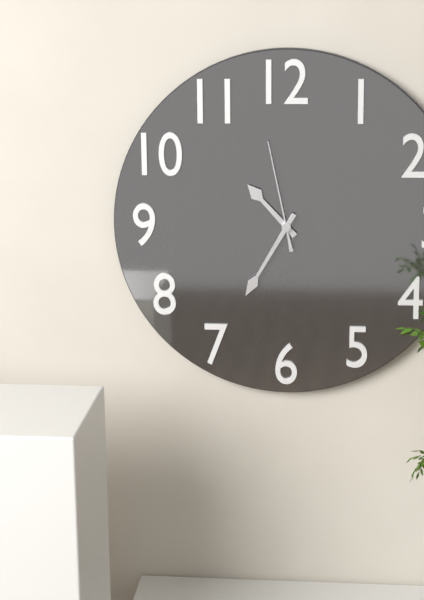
**10:35:58**
